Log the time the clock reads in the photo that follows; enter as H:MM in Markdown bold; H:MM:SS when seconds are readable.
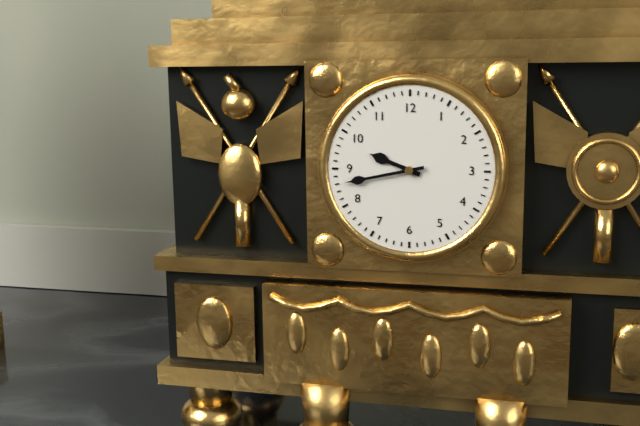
**9:43**
